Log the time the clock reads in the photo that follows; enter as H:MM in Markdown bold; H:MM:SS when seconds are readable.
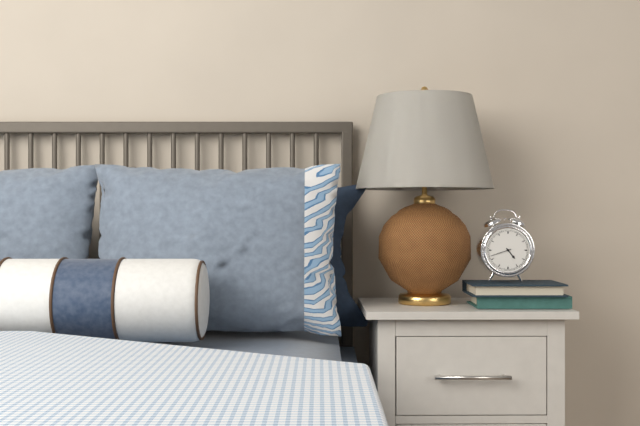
**4:42**
